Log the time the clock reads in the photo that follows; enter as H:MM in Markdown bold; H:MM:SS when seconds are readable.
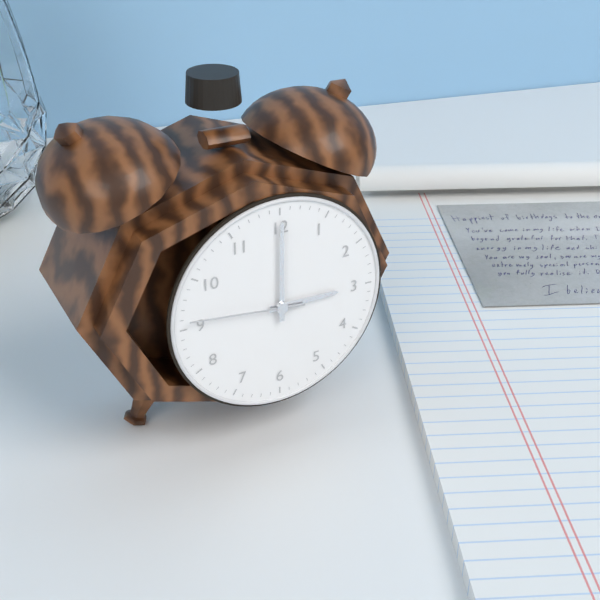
**3:00:46**
